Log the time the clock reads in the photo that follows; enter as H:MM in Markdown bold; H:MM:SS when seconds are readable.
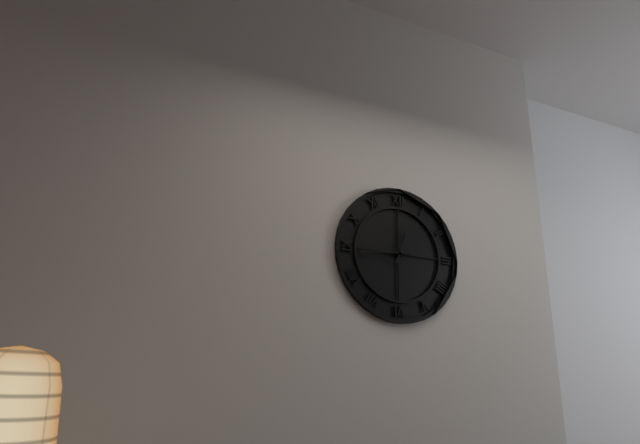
**12:44**
